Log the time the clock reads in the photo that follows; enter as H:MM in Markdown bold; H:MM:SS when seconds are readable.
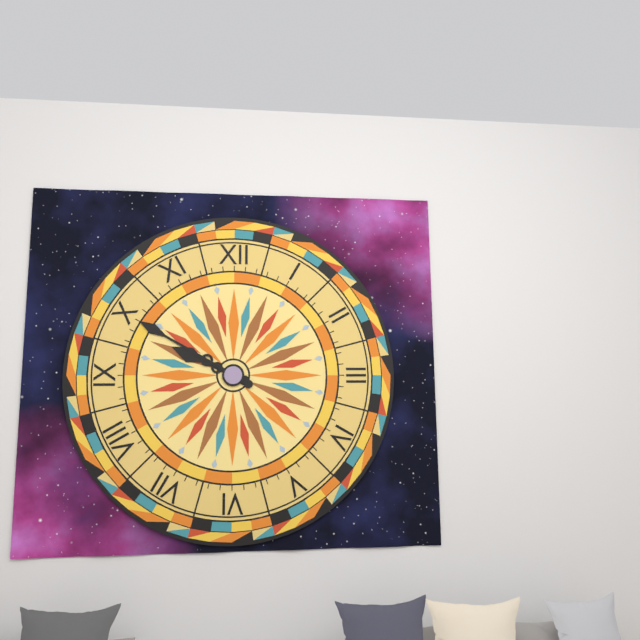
**9:50**
